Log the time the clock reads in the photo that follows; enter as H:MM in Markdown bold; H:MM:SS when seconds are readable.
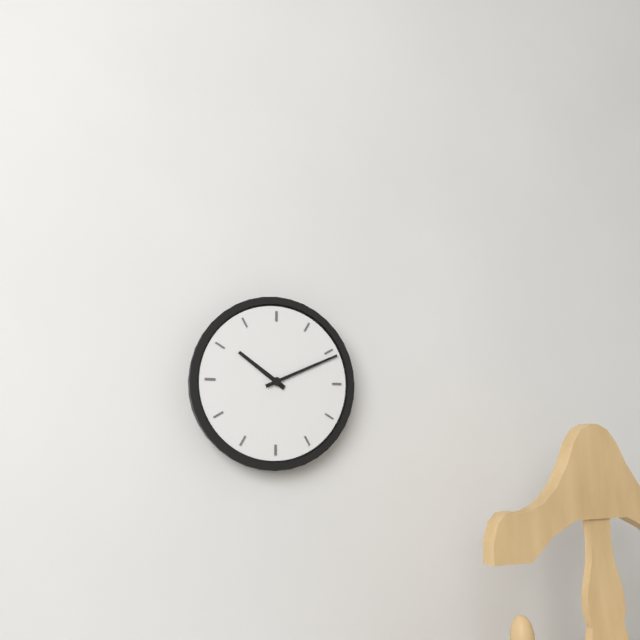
**10:11**
